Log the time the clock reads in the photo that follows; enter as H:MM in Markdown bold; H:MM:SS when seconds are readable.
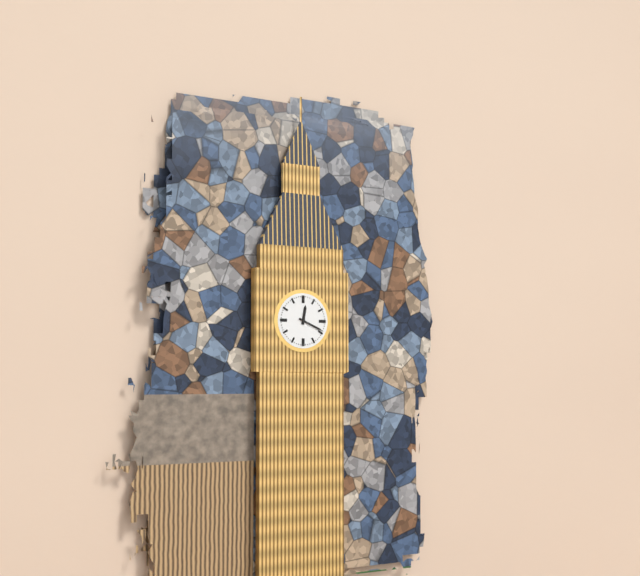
**12:19**
